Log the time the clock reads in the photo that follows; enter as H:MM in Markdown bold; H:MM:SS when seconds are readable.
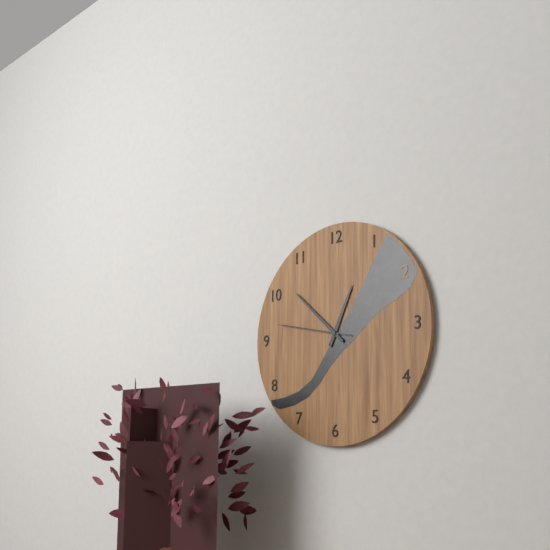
**12:52:47**
